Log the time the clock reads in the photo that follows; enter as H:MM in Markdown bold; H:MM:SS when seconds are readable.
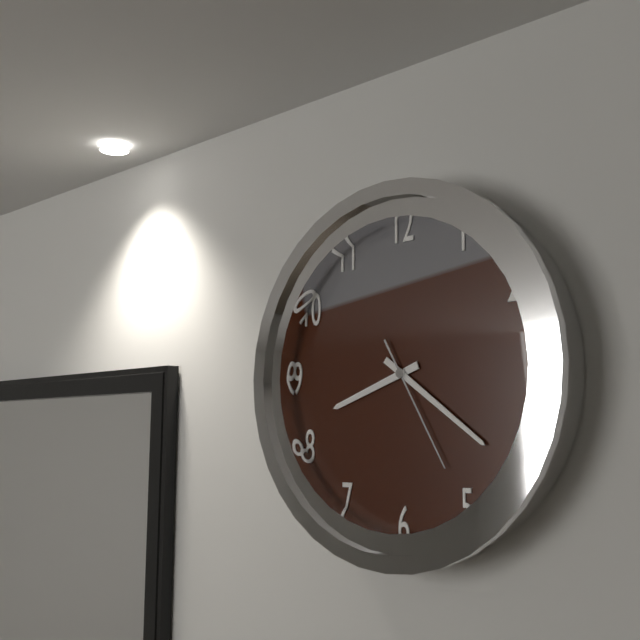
**8:21:25**
